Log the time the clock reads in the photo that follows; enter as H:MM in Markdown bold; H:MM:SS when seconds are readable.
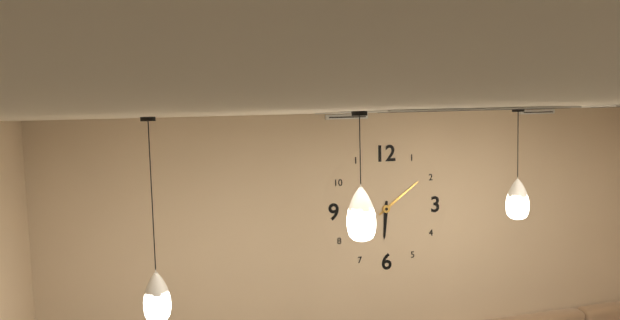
**6:09**
